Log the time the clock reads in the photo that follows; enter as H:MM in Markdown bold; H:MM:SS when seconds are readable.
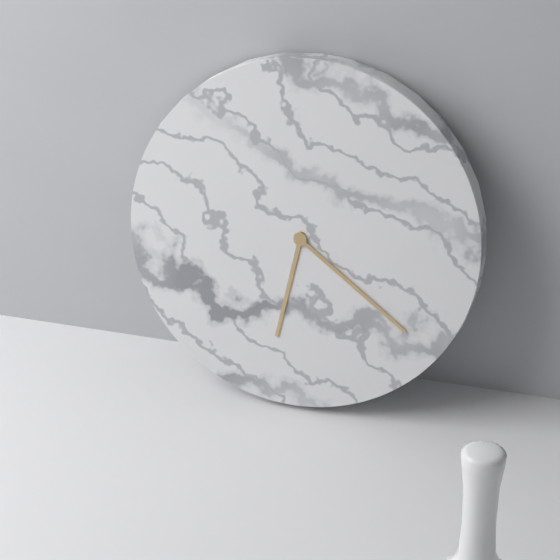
**6:21**
